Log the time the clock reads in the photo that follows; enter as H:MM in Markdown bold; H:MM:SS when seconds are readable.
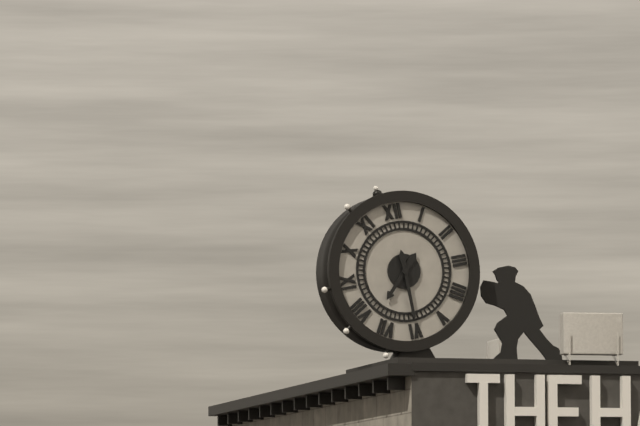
**7:30**
